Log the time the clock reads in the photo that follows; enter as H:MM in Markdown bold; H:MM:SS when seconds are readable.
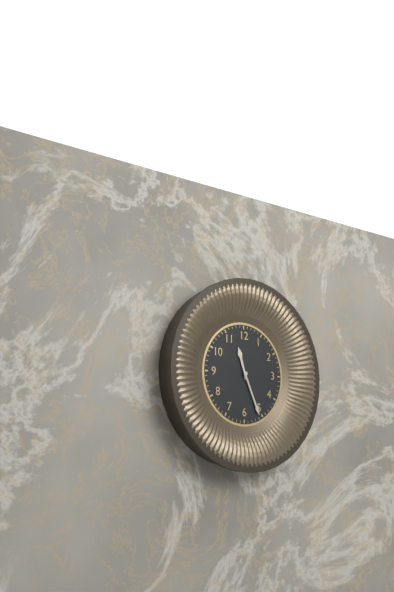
**11:26**
